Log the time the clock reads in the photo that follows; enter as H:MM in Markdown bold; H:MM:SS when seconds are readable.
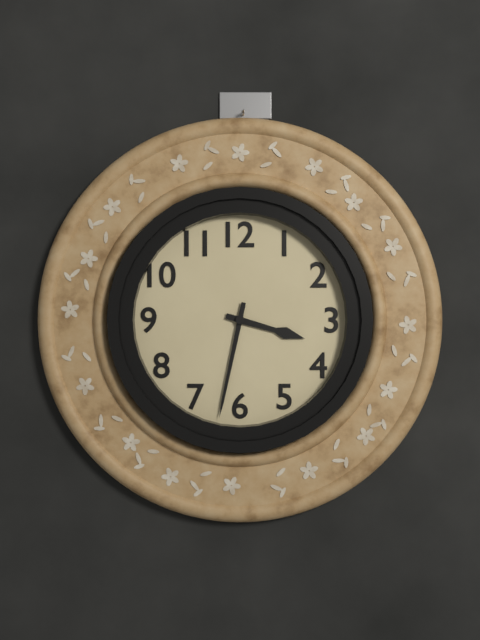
**3:32**
